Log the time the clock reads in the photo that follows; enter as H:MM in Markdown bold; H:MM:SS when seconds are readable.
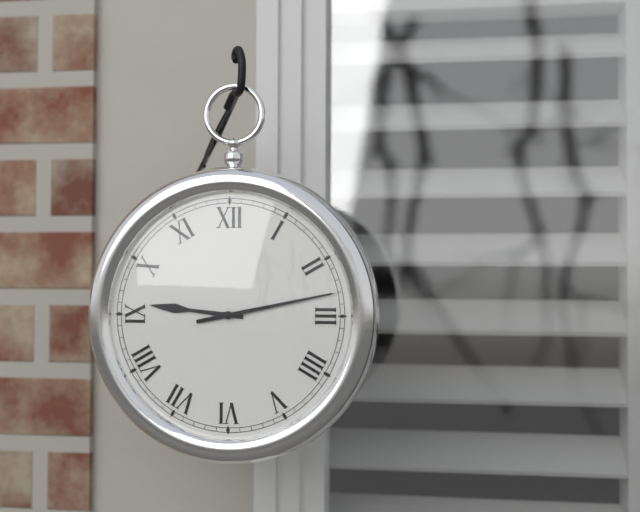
**9:13**
